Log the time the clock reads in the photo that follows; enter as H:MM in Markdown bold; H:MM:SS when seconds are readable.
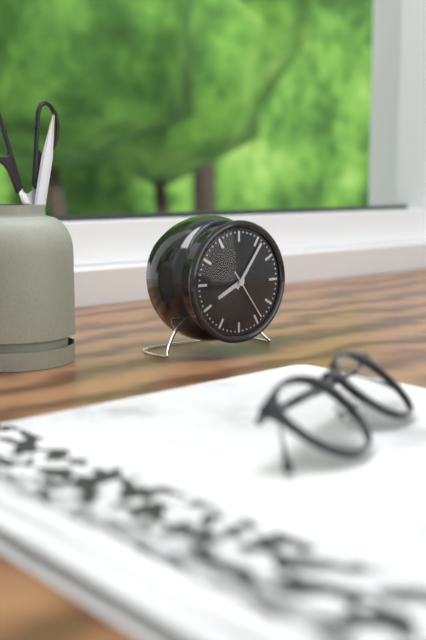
**8:06:24**
